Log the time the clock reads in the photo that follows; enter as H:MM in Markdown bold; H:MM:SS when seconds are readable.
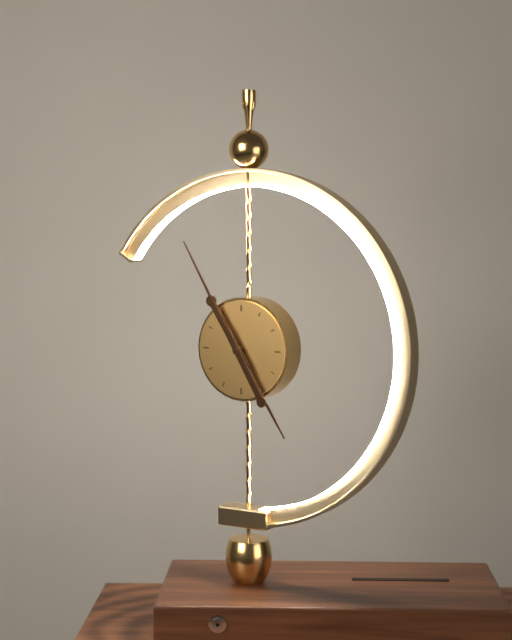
**4:55**
